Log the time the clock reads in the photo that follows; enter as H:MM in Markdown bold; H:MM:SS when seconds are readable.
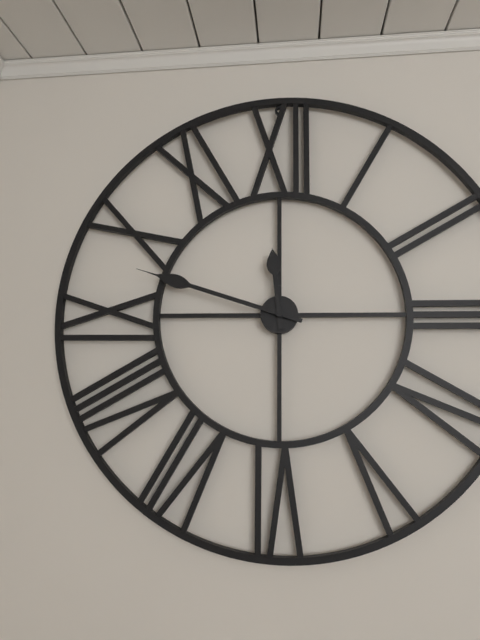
**11:48**
